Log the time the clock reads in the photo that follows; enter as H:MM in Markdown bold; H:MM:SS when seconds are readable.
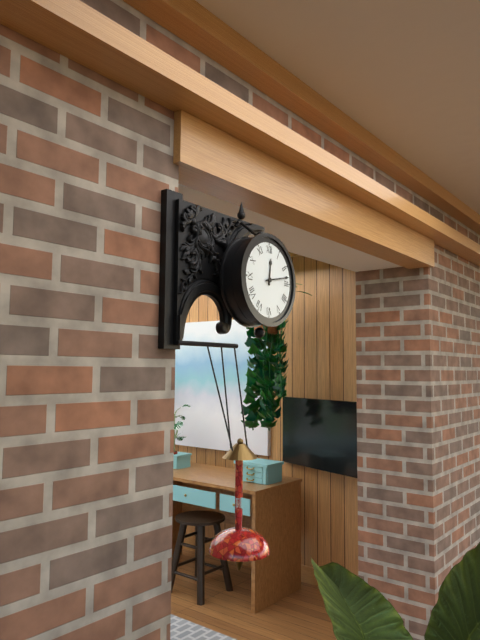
**12:13**
